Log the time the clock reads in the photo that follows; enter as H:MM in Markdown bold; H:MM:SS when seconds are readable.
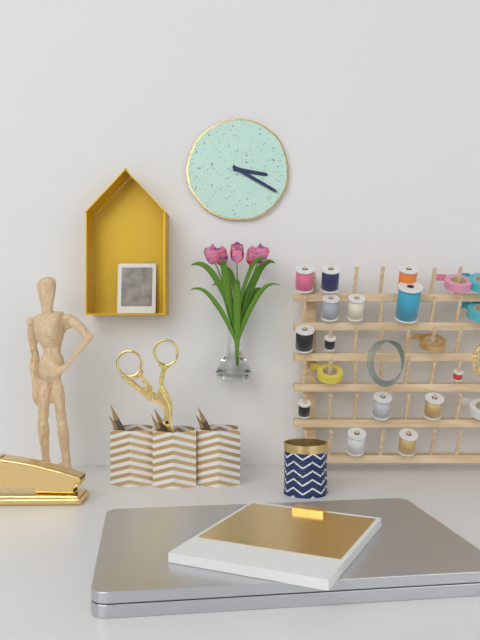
**3:20**
